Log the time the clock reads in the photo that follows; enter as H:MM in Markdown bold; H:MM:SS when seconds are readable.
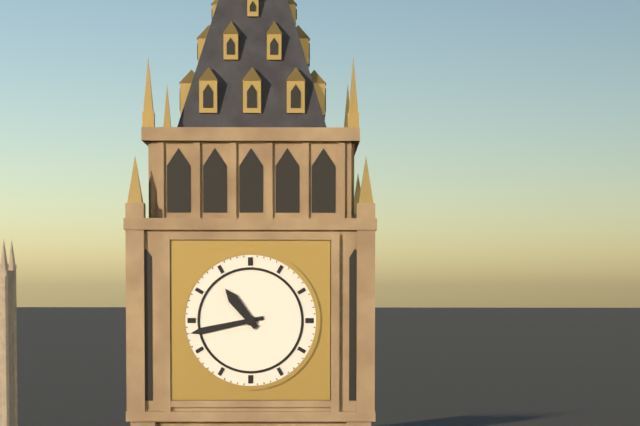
**10:43**
